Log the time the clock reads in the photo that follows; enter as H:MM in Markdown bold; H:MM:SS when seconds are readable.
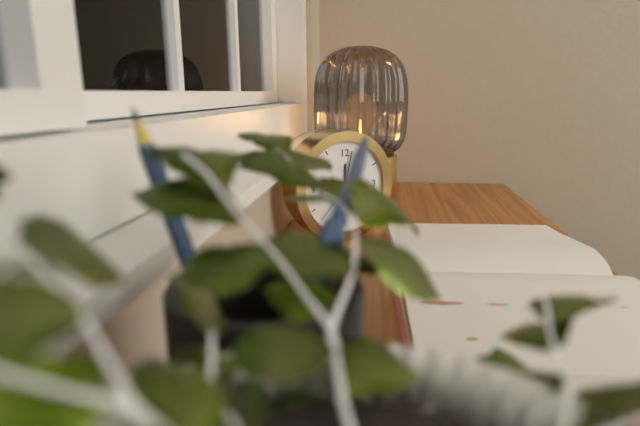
**12:02**
